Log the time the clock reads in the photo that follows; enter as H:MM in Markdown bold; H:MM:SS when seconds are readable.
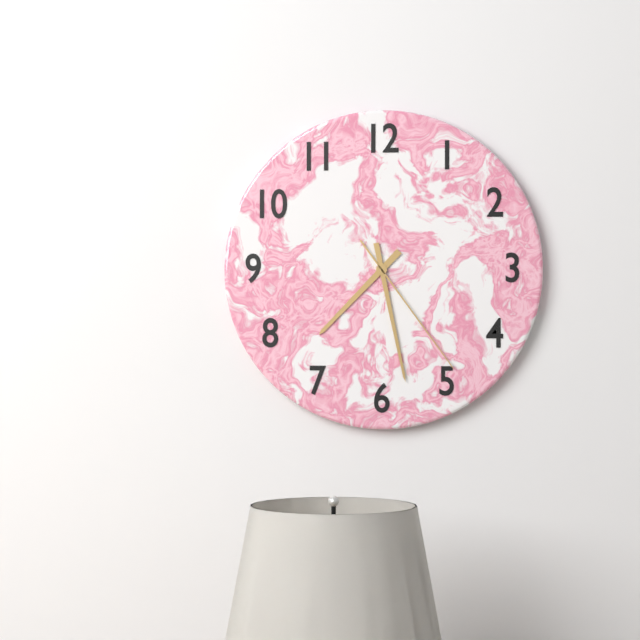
**7:28:24**
